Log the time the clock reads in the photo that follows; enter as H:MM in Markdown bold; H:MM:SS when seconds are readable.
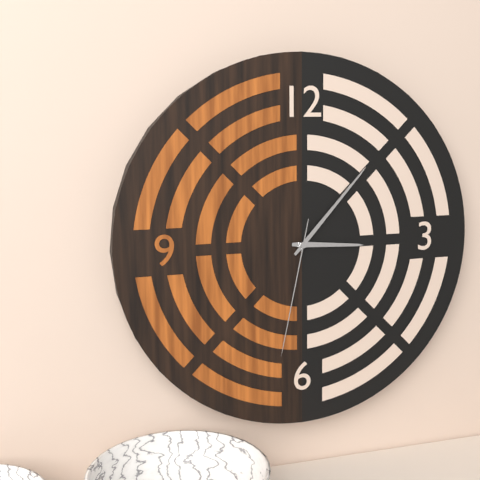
**3:07:32**
